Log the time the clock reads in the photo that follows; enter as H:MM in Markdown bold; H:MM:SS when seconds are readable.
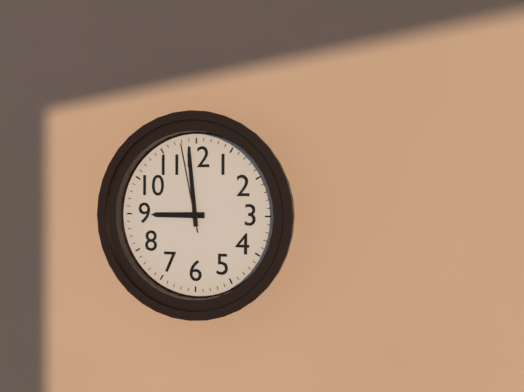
**8:59:58**
